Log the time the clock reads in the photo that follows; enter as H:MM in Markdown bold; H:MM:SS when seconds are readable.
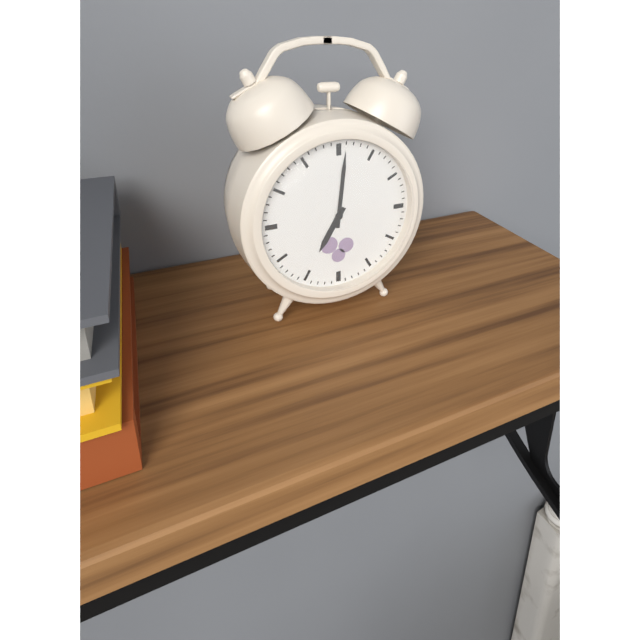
**7:01**
